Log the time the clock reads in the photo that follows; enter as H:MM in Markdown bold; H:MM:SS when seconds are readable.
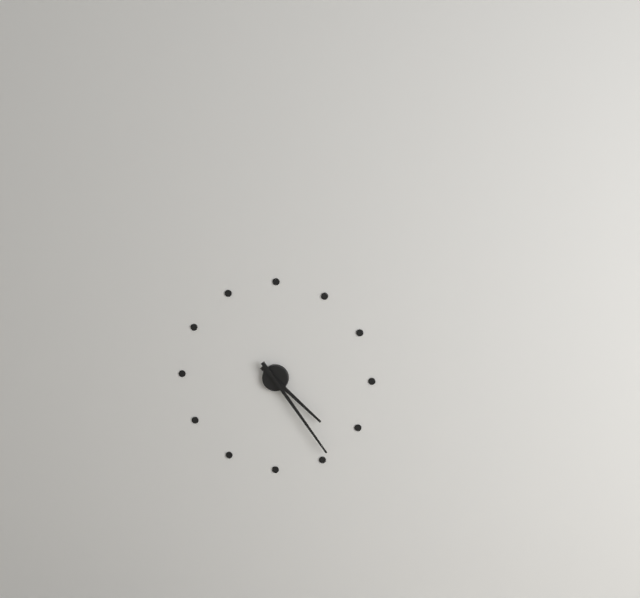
**4:24**
